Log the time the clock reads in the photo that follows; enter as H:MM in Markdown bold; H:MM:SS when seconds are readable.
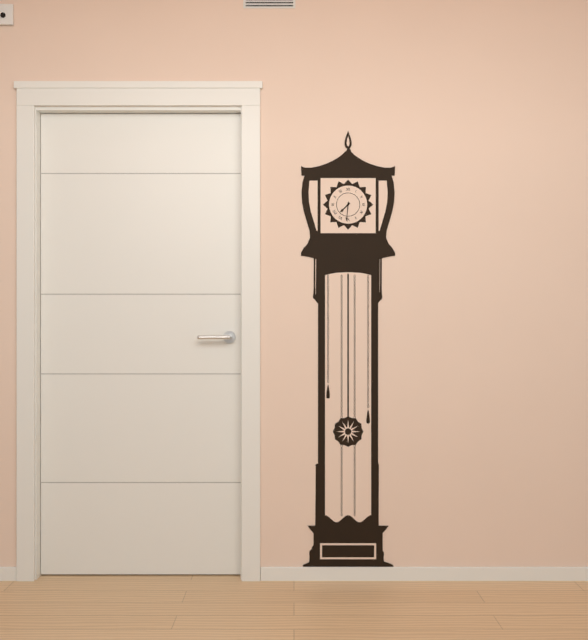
**7:31**
